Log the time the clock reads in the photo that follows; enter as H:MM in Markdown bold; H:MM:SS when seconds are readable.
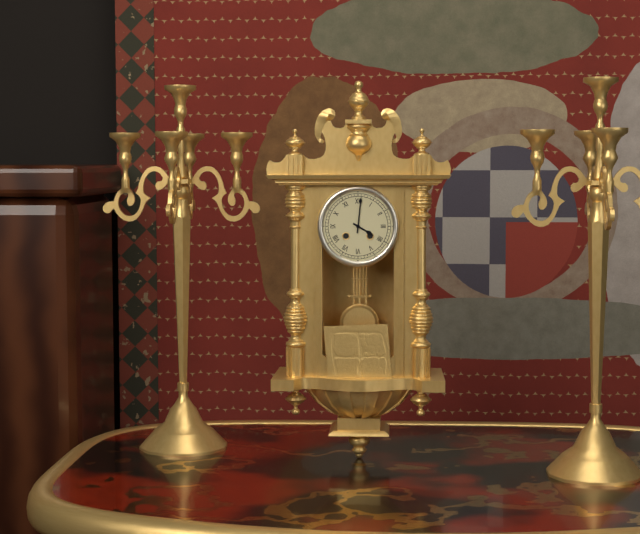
**4:01**
